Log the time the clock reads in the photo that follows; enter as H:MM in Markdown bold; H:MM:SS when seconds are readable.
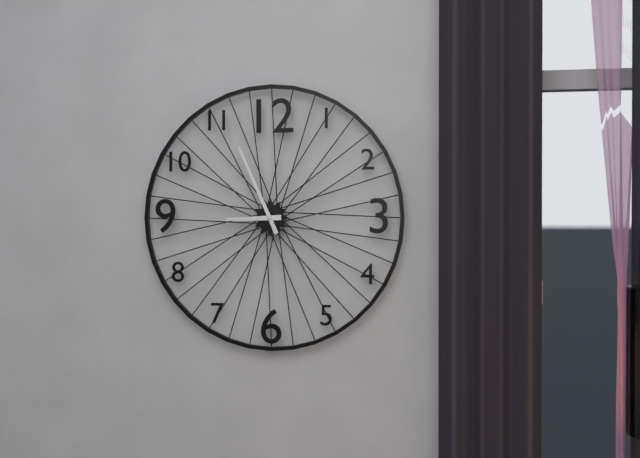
**8:56**
